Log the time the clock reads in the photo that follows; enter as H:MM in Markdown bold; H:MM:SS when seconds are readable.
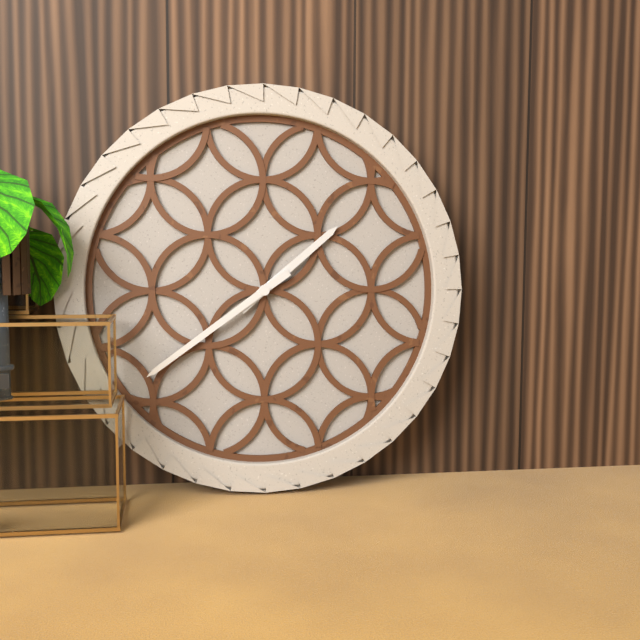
**1:39**
